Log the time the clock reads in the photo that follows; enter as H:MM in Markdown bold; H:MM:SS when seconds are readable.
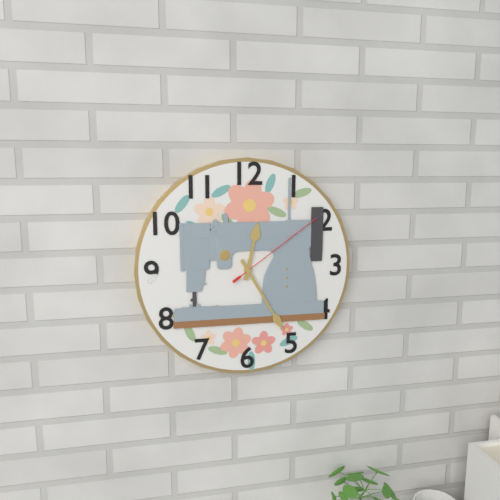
**12:25:09**
